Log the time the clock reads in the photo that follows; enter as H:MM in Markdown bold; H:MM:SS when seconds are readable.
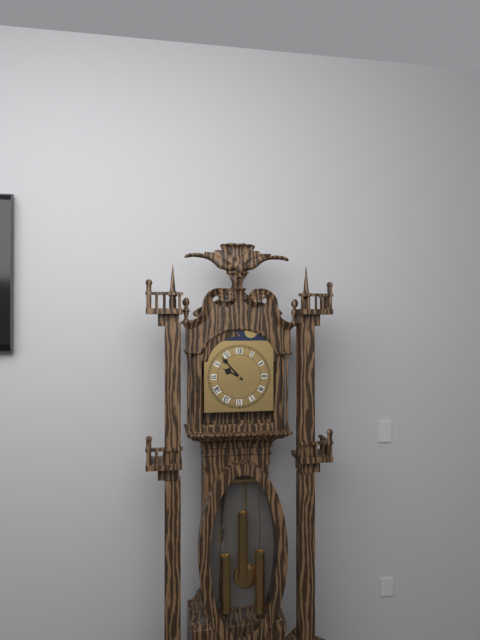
**9:53**
